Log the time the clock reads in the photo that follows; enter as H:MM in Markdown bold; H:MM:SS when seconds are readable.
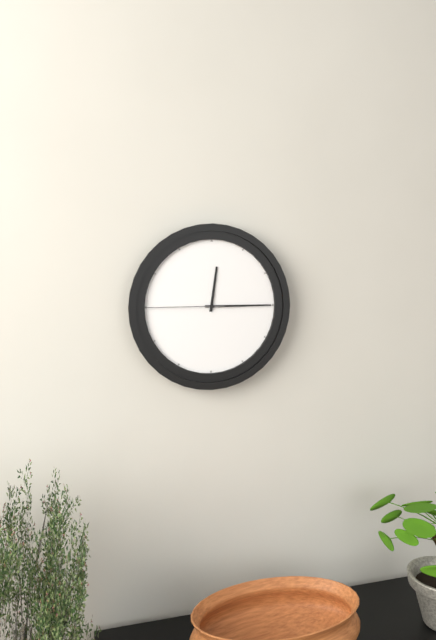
**12:15:45**
